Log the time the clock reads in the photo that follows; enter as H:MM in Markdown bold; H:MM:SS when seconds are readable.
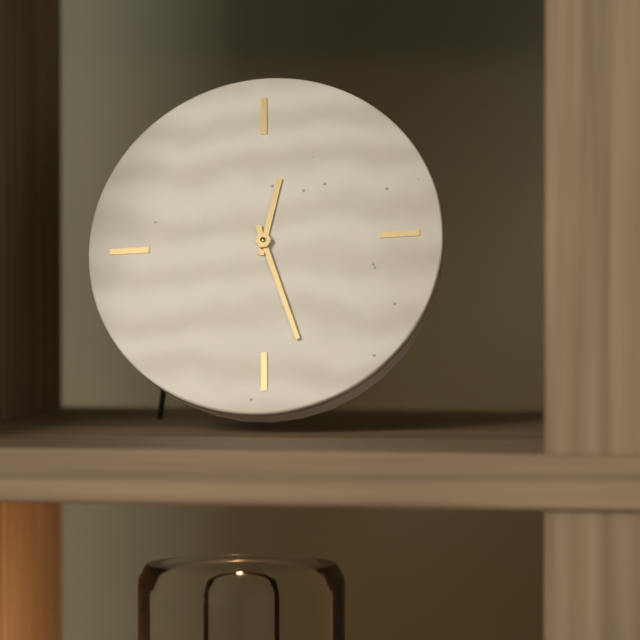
**12:27**
